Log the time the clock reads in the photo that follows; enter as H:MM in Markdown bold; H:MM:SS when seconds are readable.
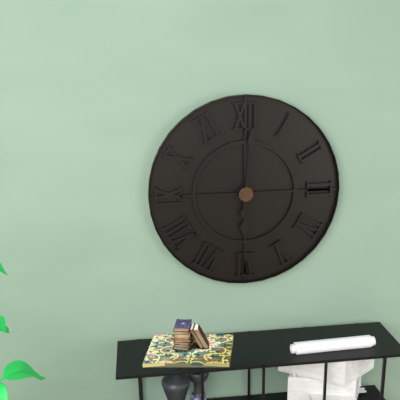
**6:01**
